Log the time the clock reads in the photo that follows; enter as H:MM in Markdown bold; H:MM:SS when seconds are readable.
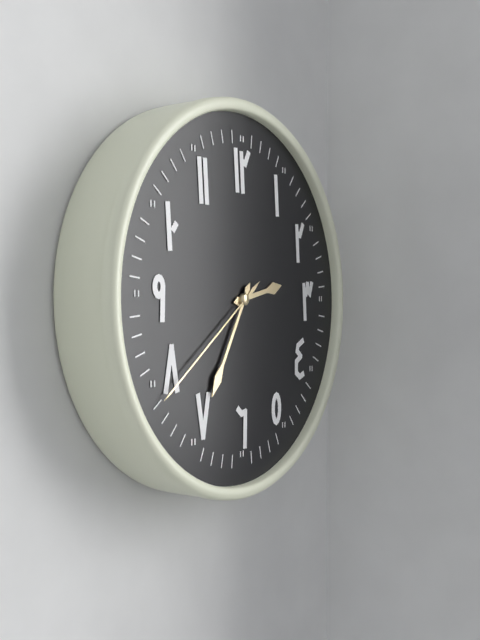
**2:35:39**
